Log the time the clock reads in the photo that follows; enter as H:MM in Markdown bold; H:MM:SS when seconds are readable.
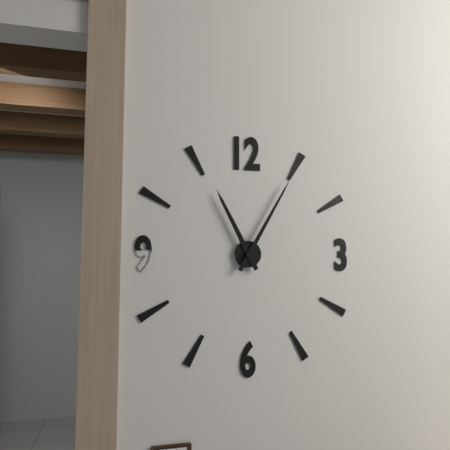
**11:05**
